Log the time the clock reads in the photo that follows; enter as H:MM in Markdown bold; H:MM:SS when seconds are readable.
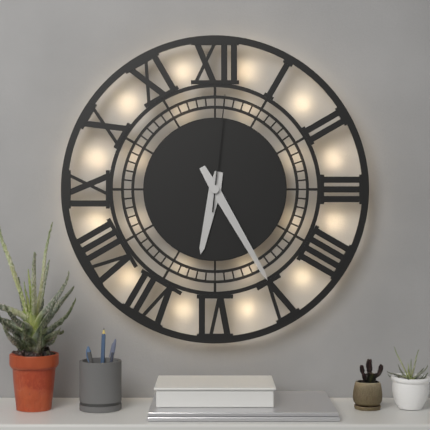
**6:25:01**
